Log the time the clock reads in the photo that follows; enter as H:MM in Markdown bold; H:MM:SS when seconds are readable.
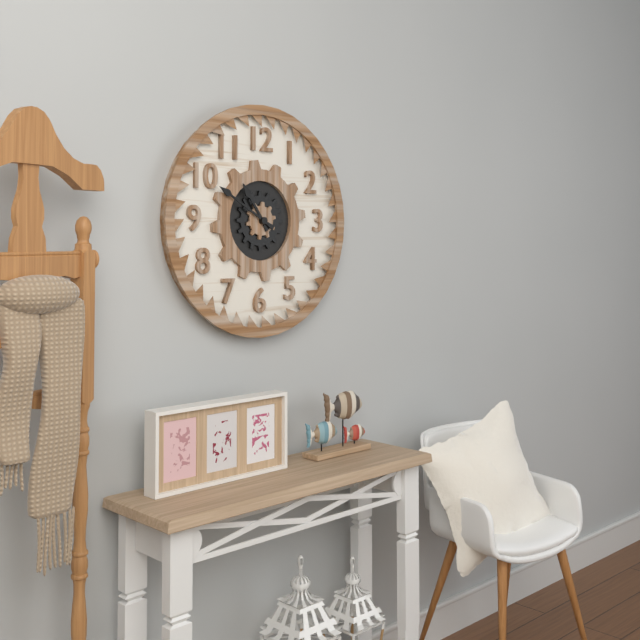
**10:50**
